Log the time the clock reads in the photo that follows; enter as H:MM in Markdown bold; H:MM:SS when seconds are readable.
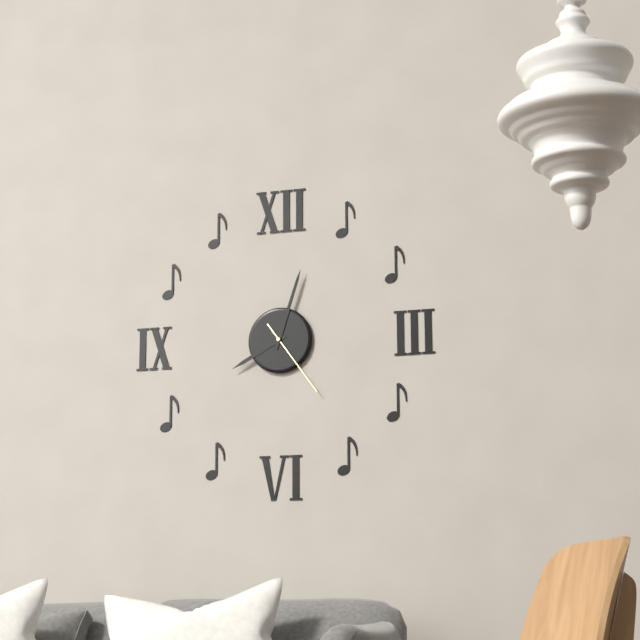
**8:03:24**
